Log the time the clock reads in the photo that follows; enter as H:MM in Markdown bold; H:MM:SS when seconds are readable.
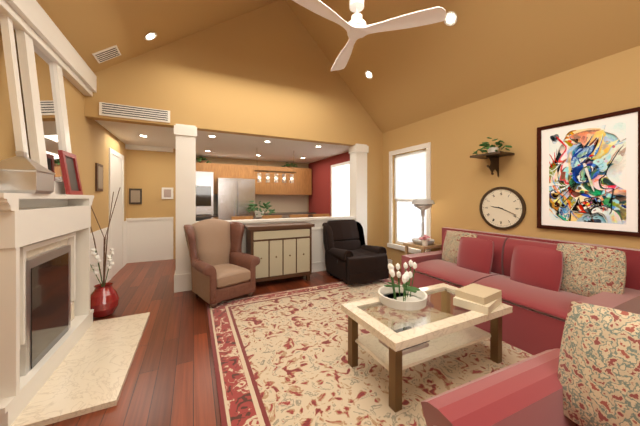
**9:19**
